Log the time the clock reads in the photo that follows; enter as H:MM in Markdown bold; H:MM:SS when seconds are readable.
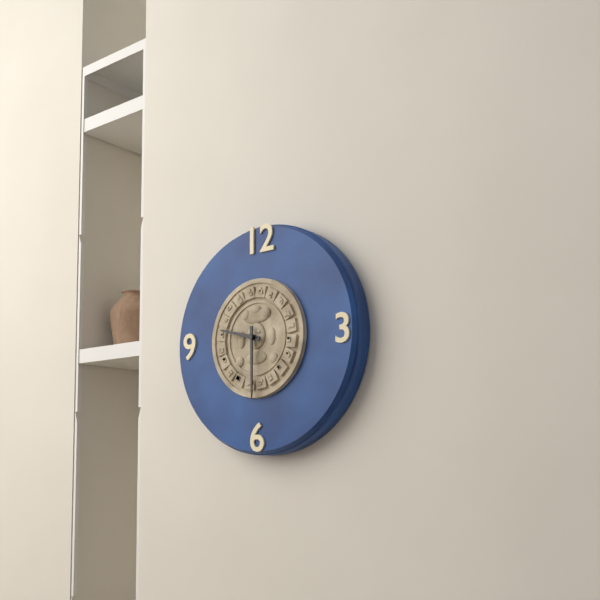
**9:30**
